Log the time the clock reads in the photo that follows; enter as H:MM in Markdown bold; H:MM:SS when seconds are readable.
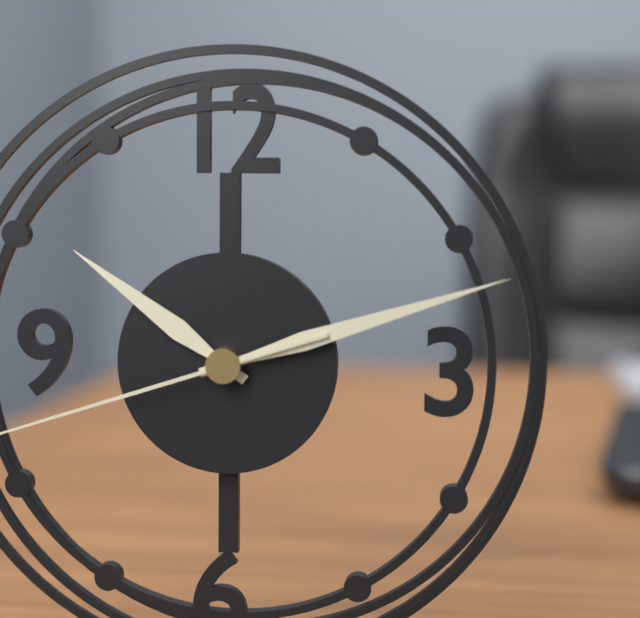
**10:12**
